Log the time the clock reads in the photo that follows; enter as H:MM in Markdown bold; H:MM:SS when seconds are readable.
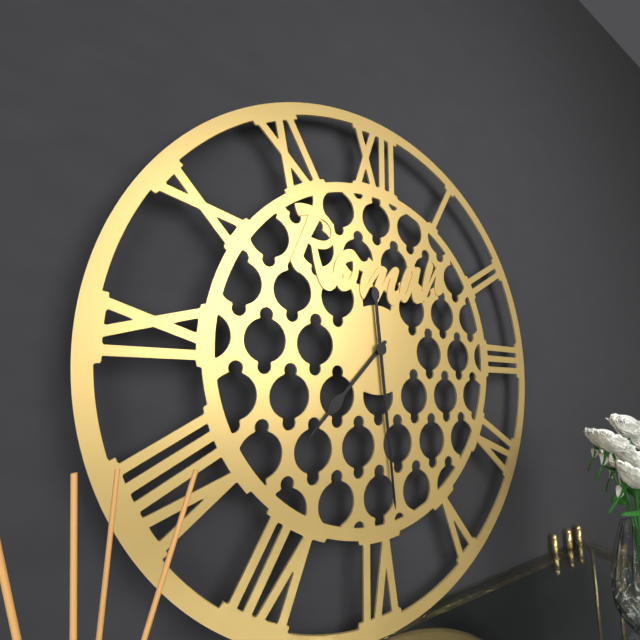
**7:29**
